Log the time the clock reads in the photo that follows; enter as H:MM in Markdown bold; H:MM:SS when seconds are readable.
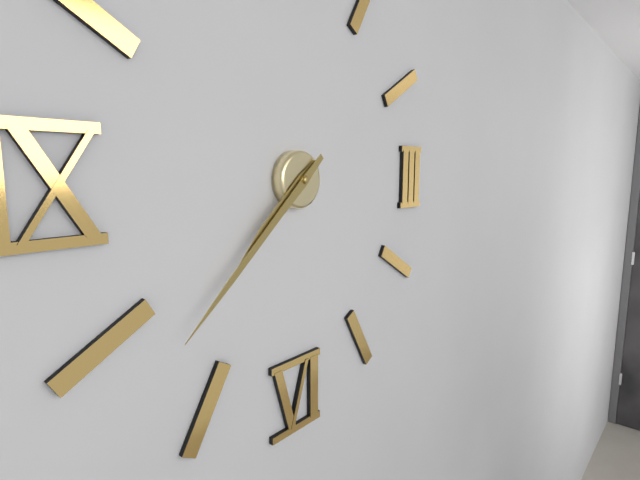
**7:38**
